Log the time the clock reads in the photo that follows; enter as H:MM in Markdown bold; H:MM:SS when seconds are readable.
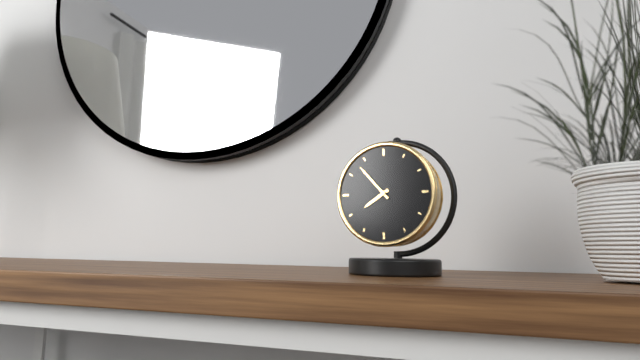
**7:53**
